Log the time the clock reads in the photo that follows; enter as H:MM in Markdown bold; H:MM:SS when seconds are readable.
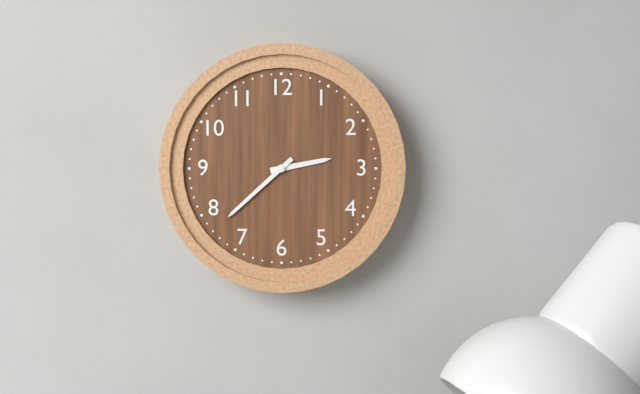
**2:38**
